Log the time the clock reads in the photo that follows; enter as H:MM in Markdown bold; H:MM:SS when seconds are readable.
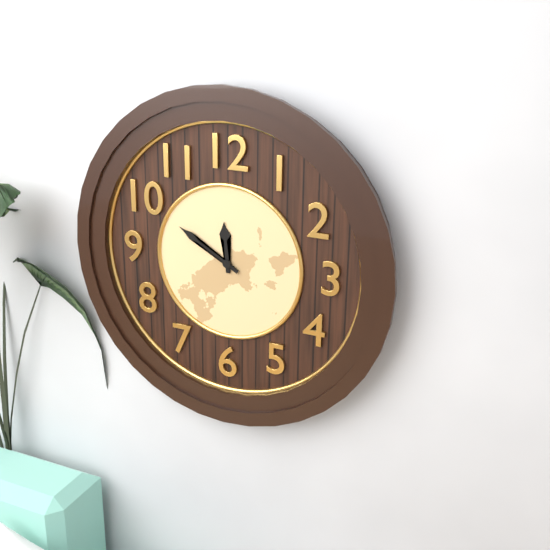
**11:50**
